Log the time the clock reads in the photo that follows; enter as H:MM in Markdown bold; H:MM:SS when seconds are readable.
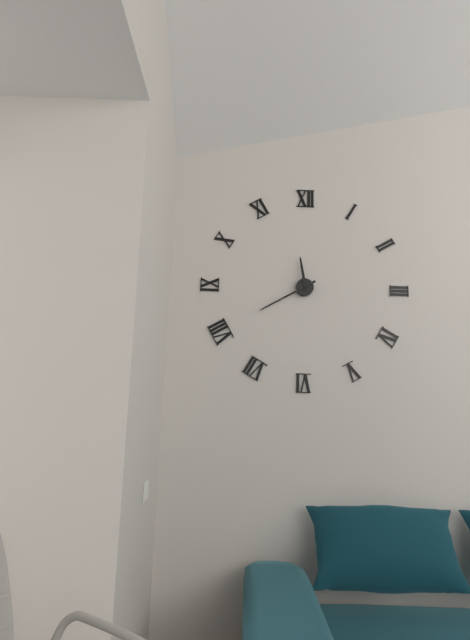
**11:40**
